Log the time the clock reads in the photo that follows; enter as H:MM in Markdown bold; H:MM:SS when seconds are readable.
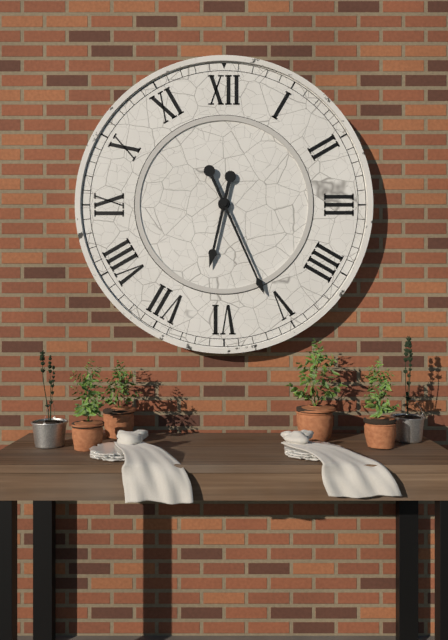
**6:26**
